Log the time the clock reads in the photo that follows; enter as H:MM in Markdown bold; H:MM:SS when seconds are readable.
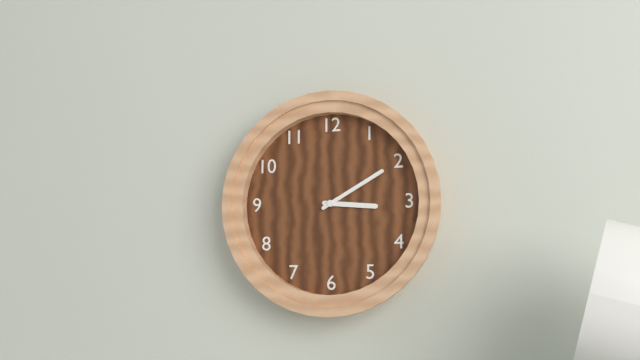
**3:10**
